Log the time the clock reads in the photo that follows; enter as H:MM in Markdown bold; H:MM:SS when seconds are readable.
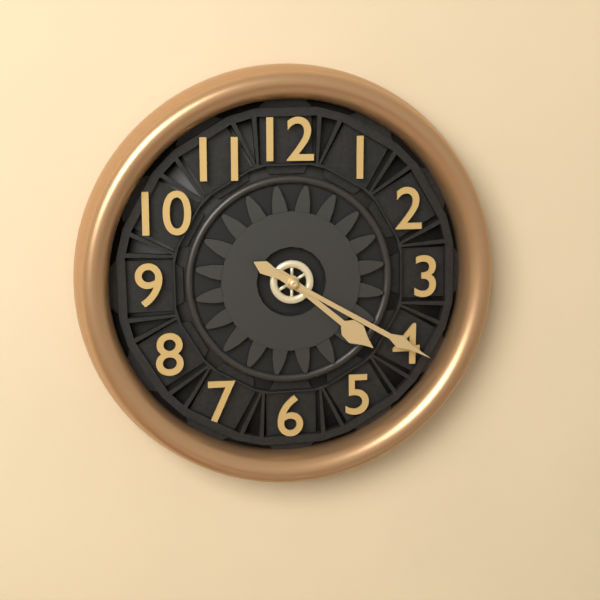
**4:20**
